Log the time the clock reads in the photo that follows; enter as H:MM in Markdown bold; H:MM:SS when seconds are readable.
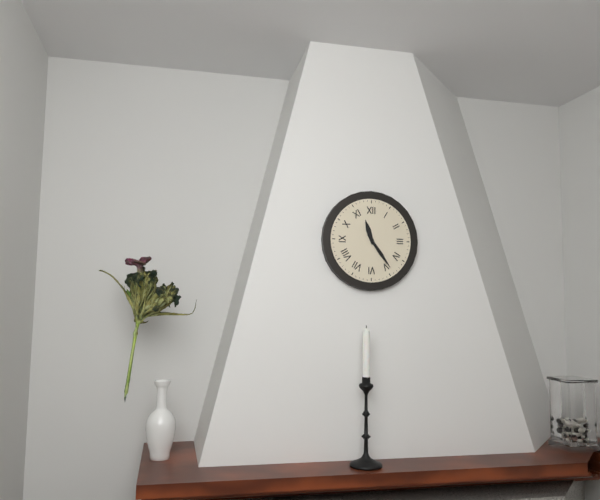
**11:24**
